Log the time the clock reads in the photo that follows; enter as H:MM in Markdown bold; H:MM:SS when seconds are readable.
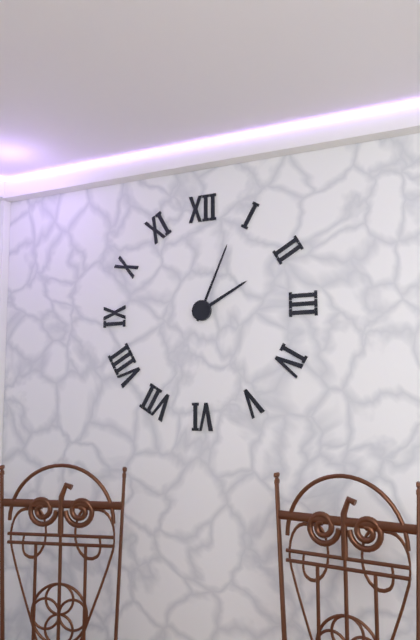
**2:04**
